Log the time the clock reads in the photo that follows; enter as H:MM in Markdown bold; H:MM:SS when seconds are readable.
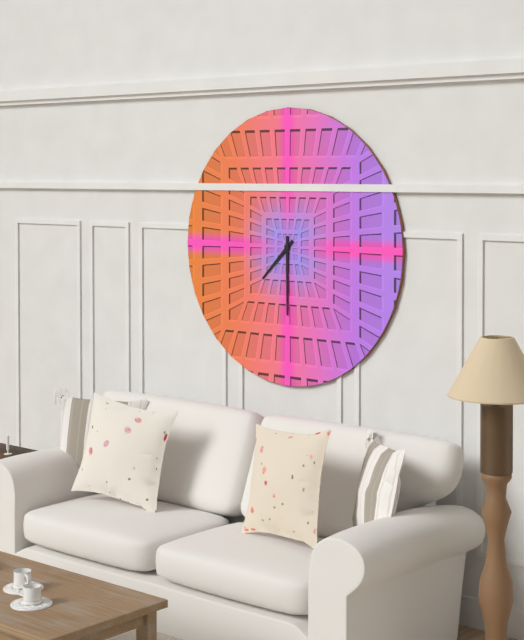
**7:30**
